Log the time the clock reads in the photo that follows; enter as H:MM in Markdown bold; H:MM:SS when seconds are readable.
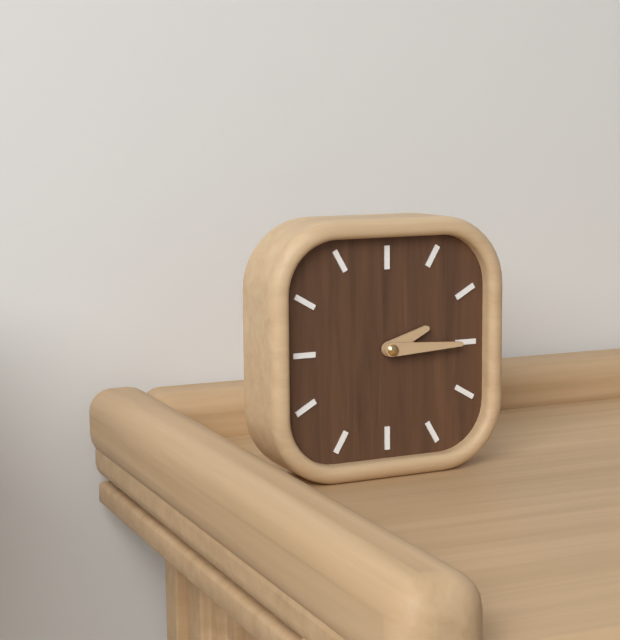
**2:15**
